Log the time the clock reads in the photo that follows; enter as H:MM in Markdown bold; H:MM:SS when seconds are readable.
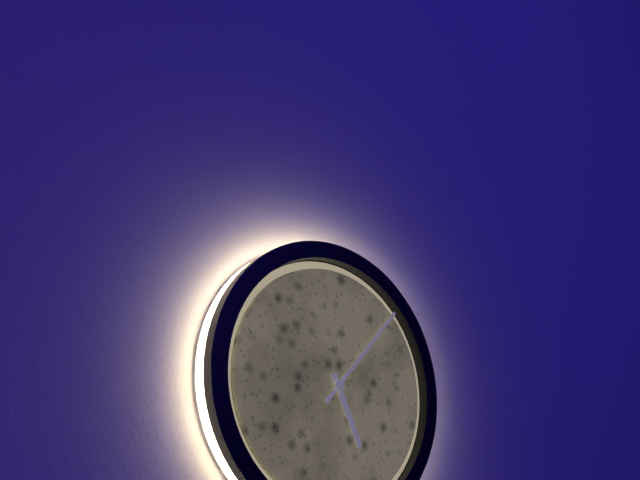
**5:07**
